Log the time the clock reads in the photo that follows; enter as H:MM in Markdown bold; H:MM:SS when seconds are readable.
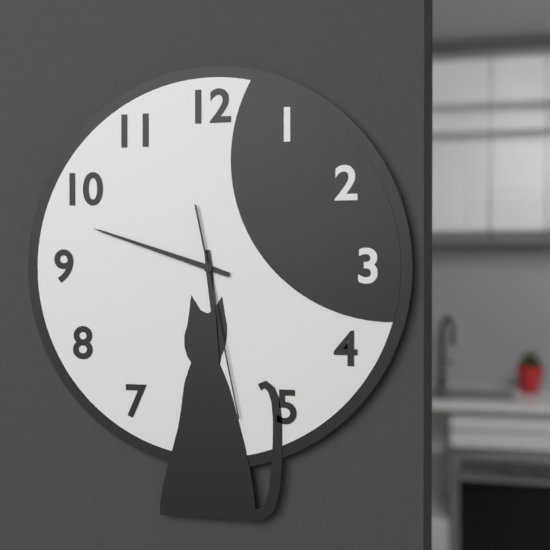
**5:48:28**
